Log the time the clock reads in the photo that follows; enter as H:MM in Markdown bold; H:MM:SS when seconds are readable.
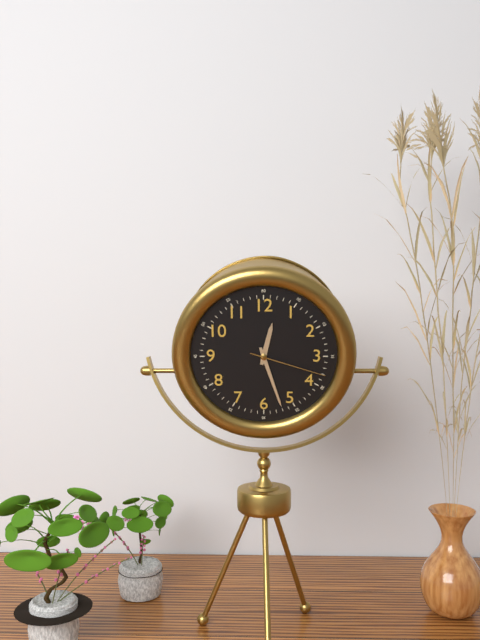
**12:27:18**
